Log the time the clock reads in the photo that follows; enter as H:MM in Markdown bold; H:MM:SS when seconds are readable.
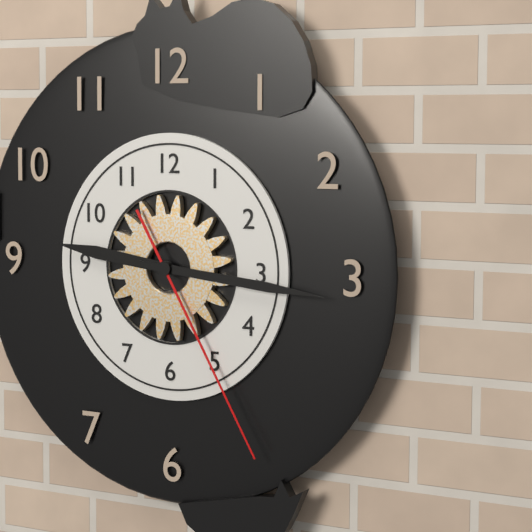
**9:16:25**
